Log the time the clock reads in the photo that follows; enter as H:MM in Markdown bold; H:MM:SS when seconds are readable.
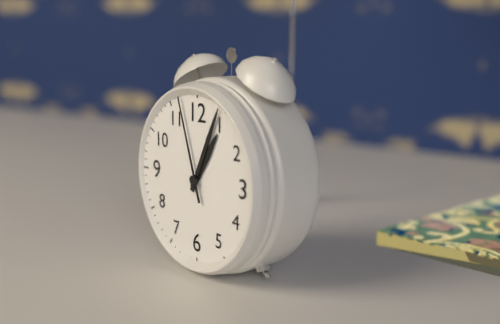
**1:04:57**
